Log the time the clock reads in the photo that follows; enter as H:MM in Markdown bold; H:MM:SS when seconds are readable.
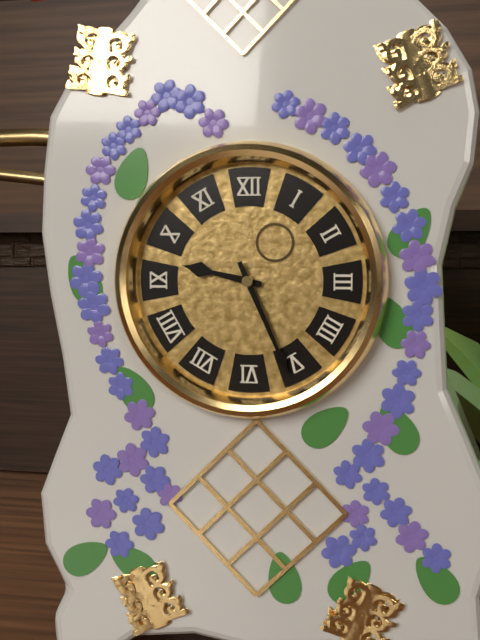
**9:26**
